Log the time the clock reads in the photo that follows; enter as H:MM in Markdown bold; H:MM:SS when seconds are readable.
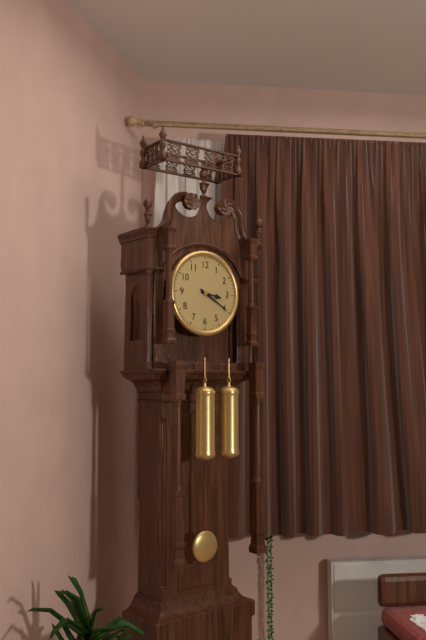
**3:20**
